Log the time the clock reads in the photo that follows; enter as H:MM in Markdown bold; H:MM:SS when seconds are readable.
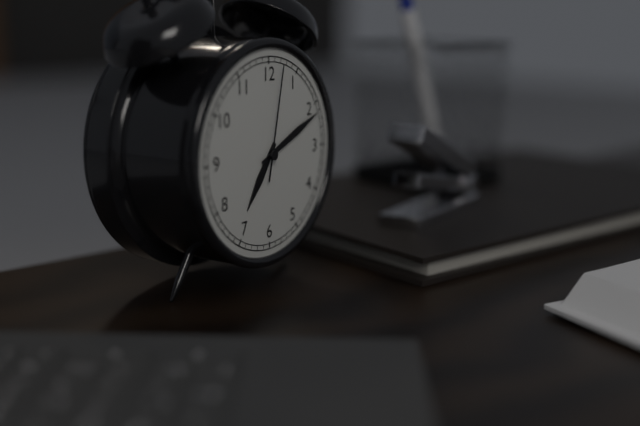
**7:11:02**
